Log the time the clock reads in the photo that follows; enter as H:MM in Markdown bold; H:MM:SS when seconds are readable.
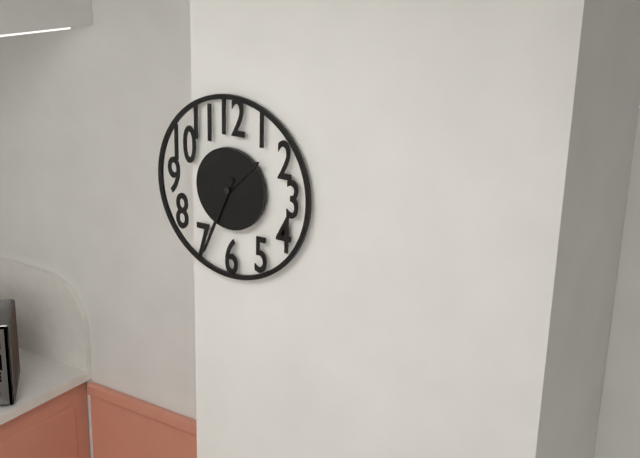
**1:34**
